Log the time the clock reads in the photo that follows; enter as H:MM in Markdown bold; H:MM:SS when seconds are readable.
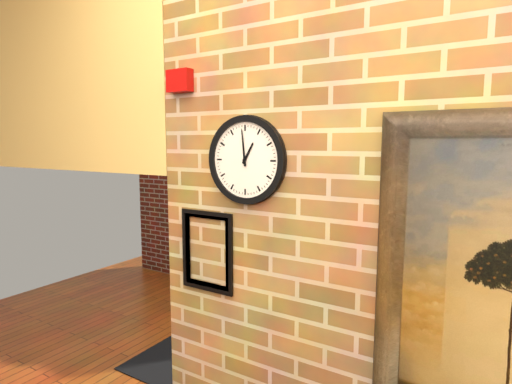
**12:59**
